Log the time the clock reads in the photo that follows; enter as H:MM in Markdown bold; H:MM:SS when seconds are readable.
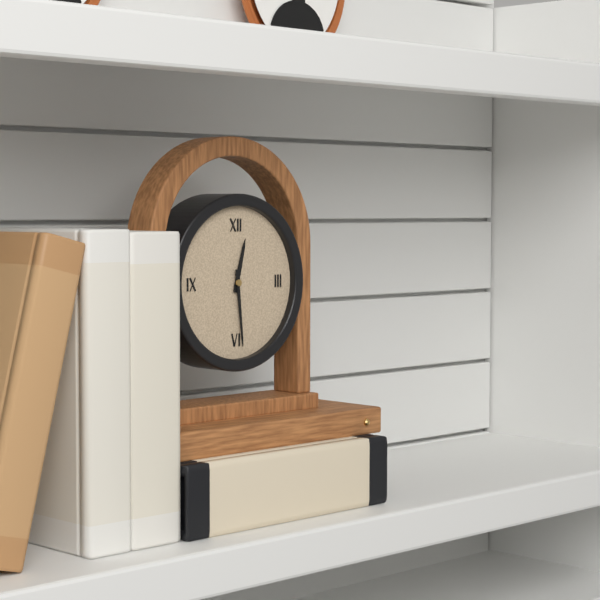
**12:29**
